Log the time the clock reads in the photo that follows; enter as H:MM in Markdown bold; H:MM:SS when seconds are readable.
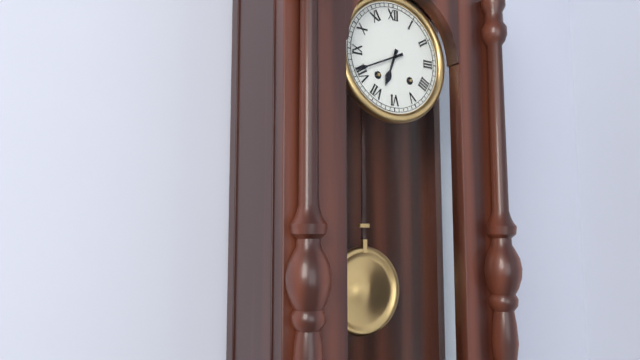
**6:41**
